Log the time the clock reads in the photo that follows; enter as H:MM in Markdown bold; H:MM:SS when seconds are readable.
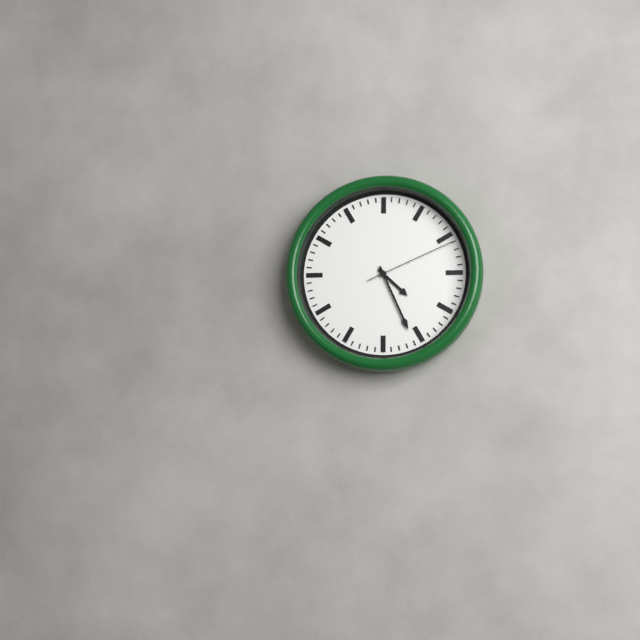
**4:26:11**
